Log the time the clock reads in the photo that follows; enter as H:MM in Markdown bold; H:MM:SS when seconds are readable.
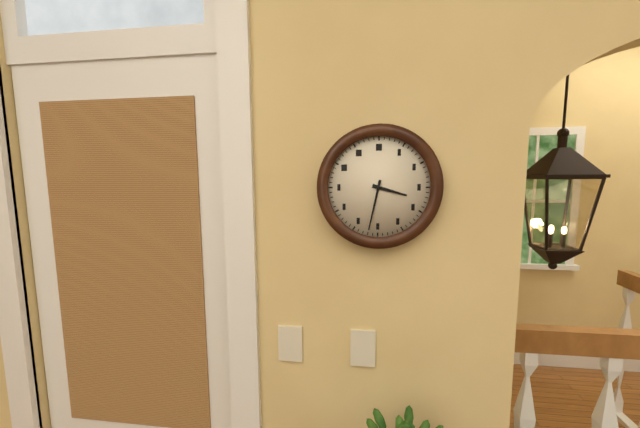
**3:32**
